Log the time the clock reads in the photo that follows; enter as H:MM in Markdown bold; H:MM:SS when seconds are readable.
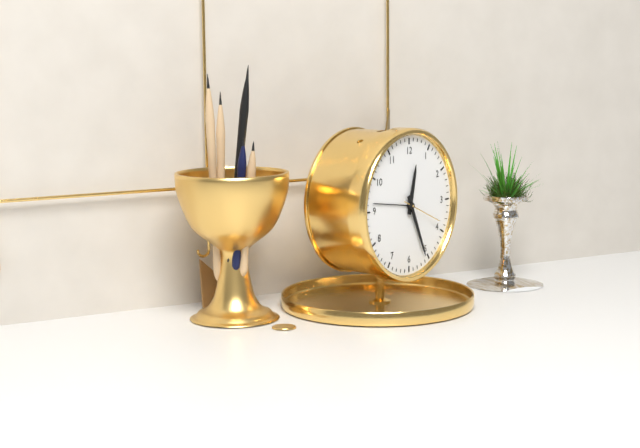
**12:26**
